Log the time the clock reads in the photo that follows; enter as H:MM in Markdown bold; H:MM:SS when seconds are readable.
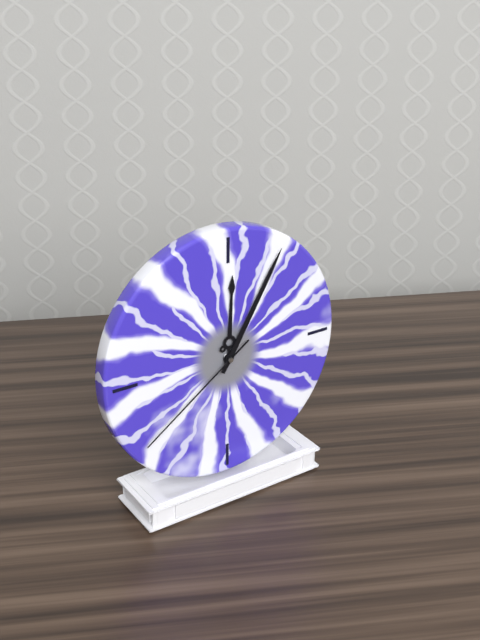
**12:05:39**
